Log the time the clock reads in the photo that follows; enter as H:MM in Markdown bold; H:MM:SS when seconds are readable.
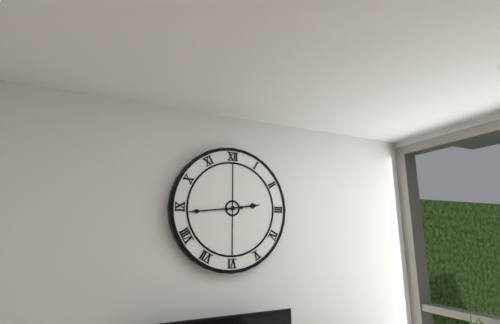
**2:44**
